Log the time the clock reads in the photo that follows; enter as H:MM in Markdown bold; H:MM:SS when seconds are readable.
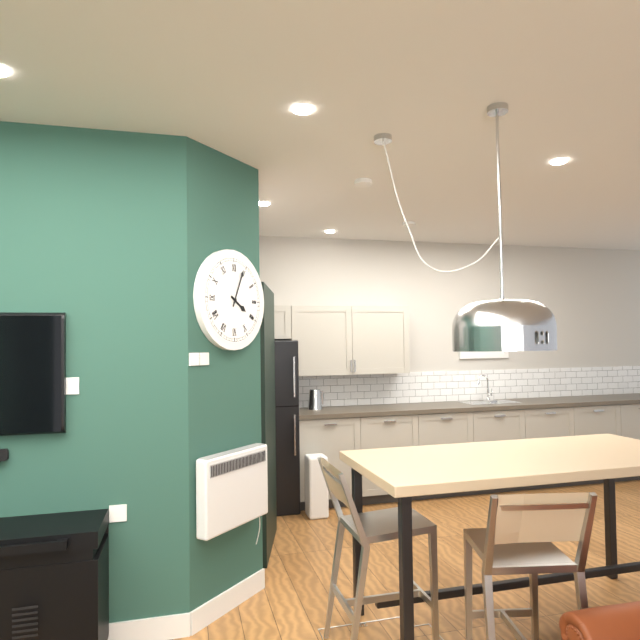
**4:04**
